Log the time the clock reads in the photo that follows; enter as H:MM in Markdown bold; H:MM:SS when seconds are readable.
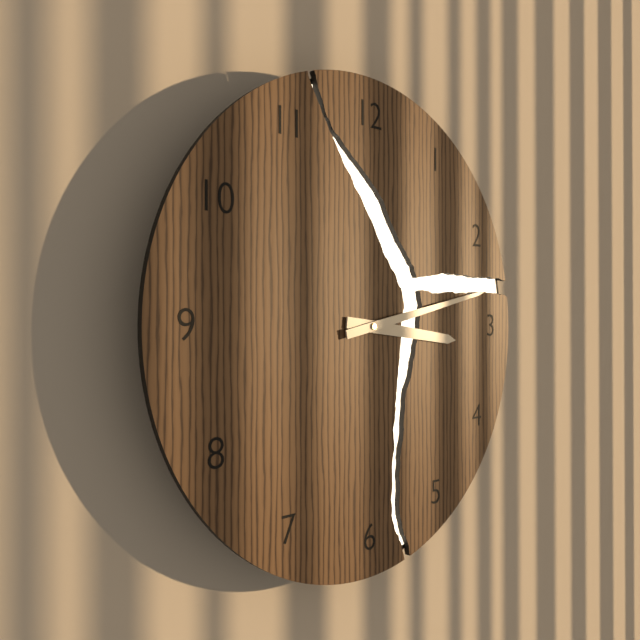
**3:13**
